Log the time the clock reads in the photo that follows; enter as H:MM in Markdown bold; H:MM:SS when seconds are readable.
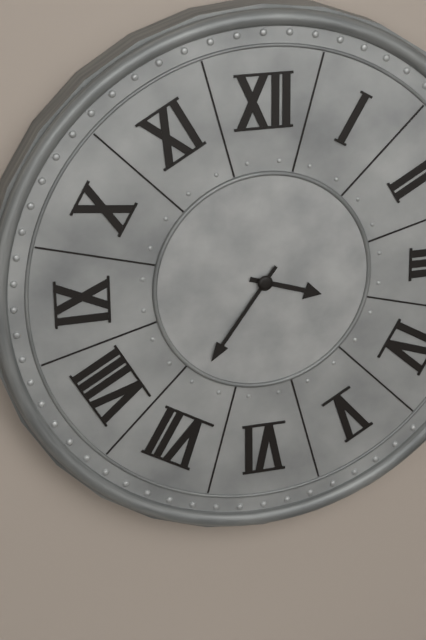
**3:36**
